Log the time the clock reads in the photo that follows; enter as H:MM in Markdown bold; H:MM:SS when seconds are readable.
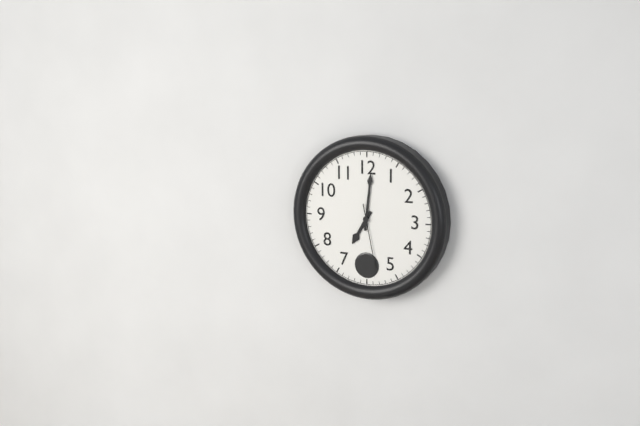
**7:01:28**
